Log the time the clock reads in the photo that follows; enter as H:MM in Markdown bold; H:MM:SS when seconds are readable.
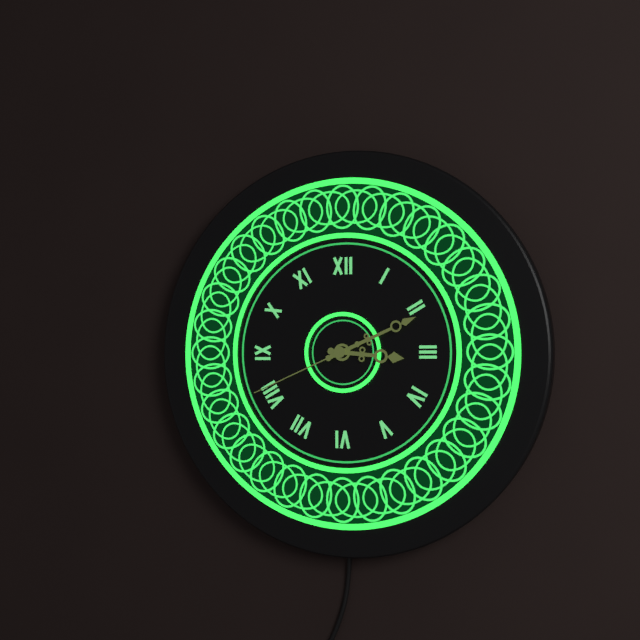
**3:11:41**
